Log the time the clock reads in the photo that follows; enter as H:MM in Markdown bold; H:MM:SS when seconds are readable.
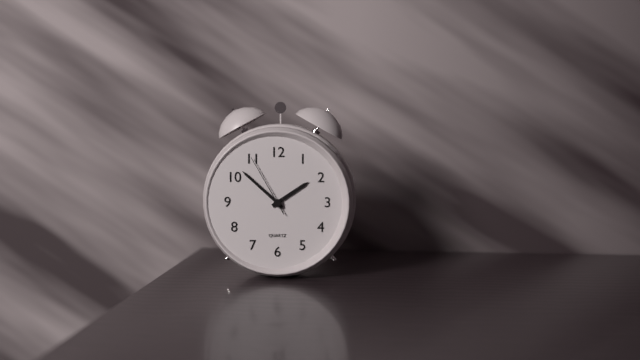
**1:52:55**
